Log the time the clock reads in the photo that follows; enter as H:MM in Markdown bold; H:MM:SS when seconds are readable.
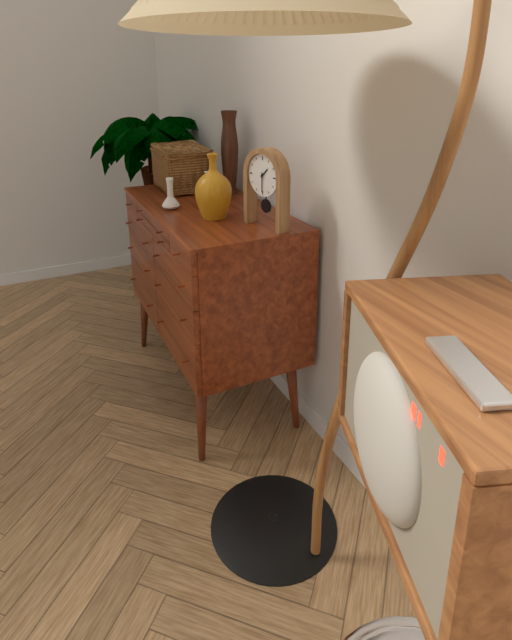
**1:30**
